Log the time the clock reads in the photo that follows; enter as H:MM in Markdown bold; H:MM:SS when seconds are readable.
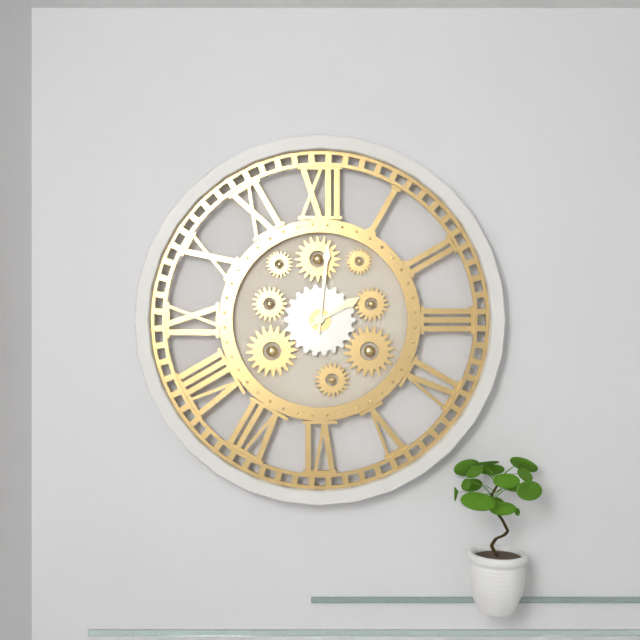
**2:01**
